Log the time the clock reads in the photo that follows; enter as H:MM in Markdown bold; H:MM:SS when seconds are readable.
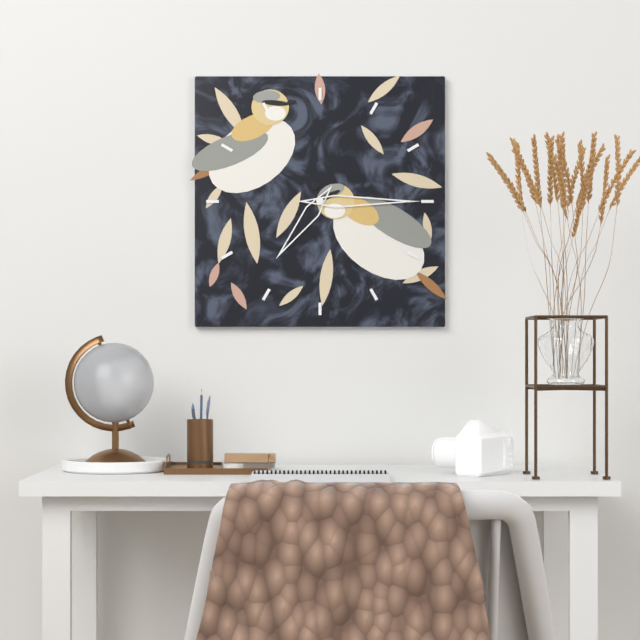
**7:15**
